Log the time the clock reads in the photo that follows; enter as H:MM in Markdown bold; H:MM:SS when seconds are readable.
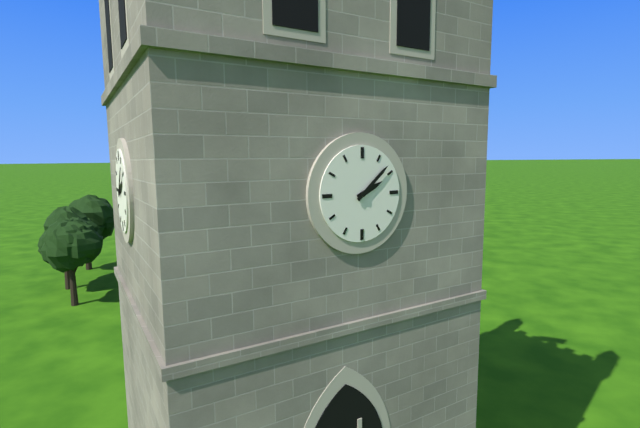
**2:08**
